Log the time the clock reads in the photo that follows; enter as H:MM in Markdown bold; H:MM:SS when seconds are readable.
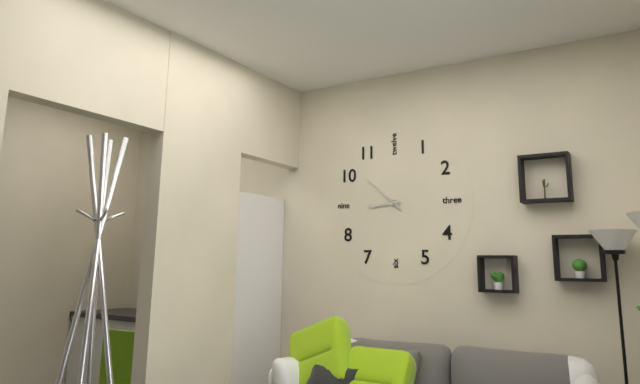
**8:52**
